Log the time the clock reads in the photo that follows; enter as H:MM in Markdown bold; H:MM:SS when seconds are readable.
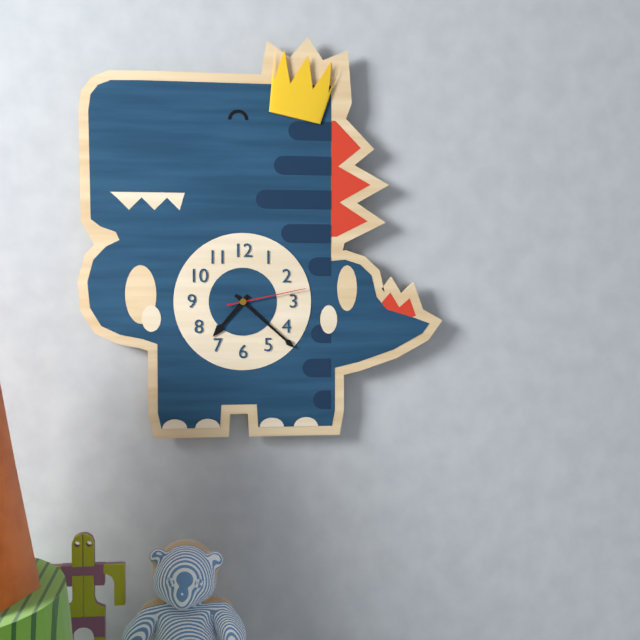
**7:22:13**
